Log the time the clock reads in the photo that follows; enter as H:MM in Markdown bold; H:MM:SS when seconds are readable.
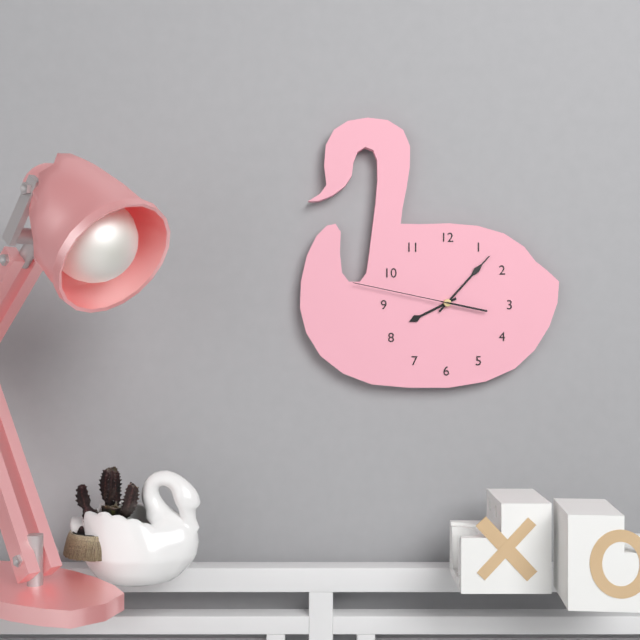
**8:07:47**
